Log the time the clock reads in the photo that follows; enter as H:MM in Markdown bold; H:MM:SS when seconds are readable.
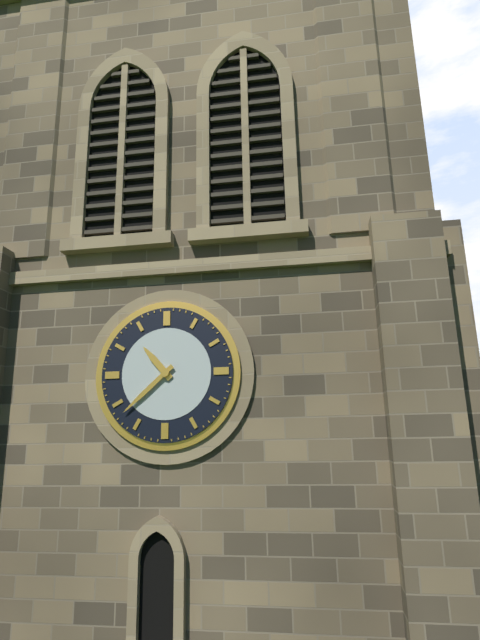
**10:38**
